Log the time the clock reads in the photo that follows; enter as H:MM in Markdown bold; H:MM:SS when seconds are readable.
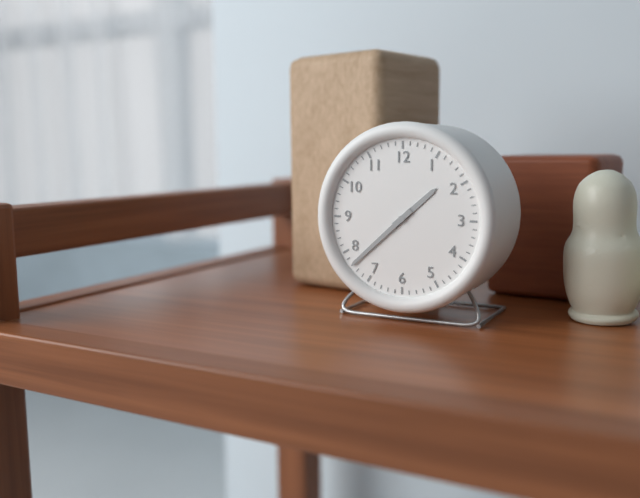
**1:38**
